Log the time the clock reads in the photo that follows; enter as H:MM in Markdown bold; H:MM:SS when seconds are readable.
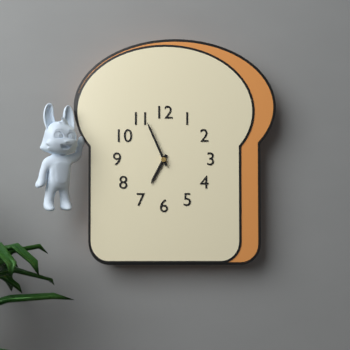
**6:56**
